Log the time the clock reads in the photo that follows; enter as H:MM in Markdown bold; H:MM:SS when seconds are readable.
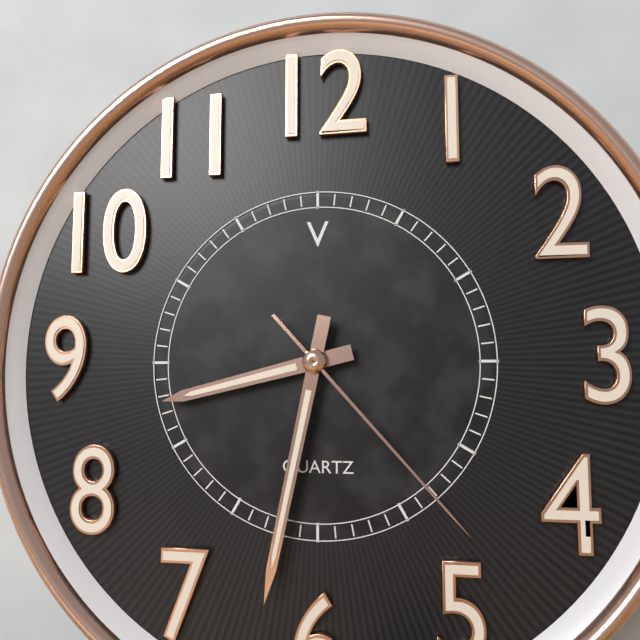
**8:32:23**
